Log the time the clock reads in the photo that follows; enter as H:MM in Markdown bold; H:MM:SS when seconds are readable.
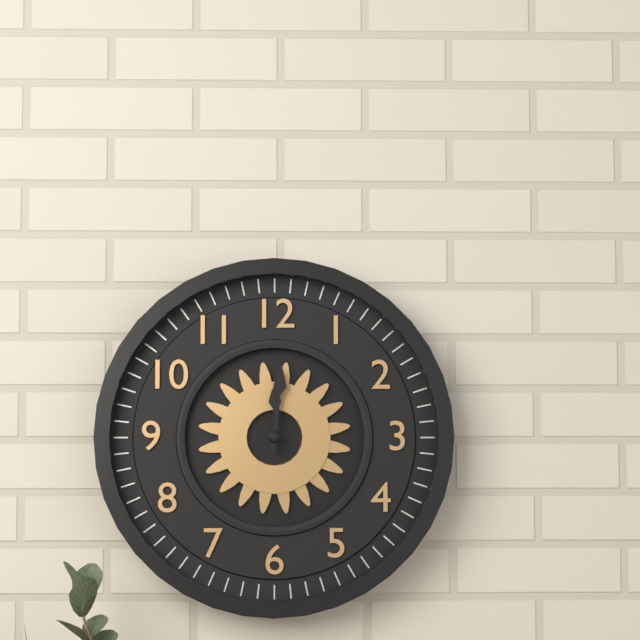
**12:01**
